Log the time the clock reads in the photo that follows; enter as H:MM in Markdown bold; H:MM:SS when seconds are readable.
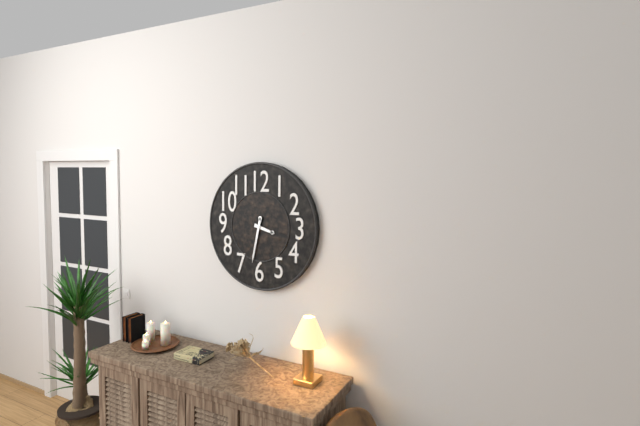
**3:32**
